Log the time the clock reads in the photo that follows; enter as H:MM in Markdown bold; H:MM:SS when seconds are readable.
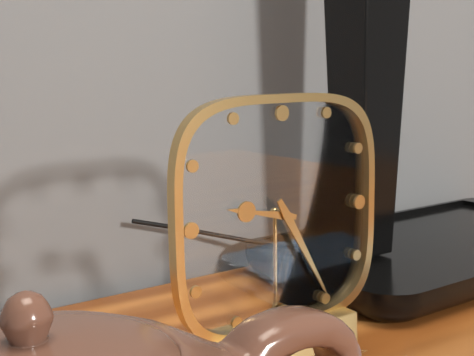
**9:25**
